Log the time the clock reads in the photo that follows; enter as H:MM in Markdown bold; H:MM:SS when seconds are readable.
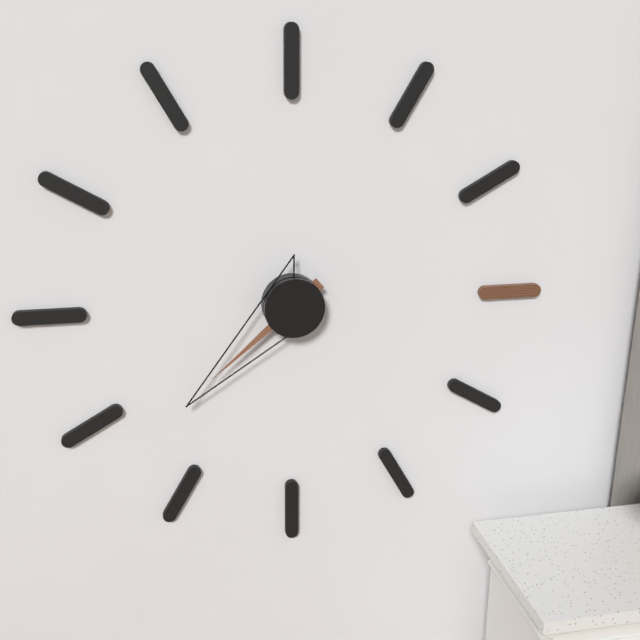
**7:38**
